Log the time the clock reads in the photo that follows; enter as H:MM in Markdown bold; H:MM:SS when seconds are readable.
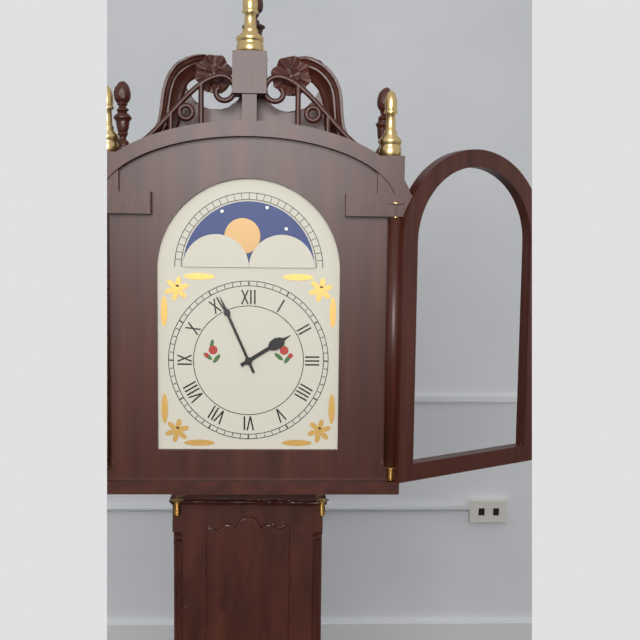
**1:56**
